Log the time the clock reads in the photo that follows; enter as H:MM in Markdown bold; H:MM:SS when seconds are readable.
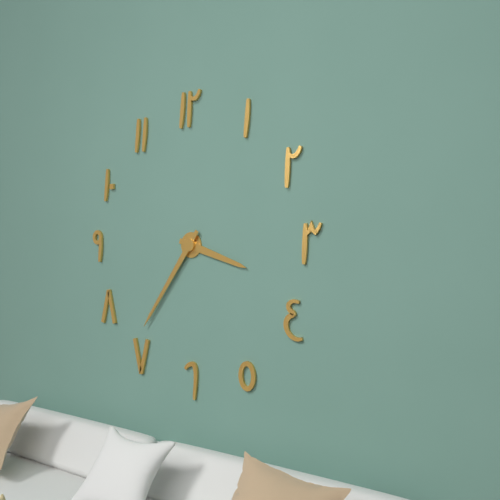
**3:36**
